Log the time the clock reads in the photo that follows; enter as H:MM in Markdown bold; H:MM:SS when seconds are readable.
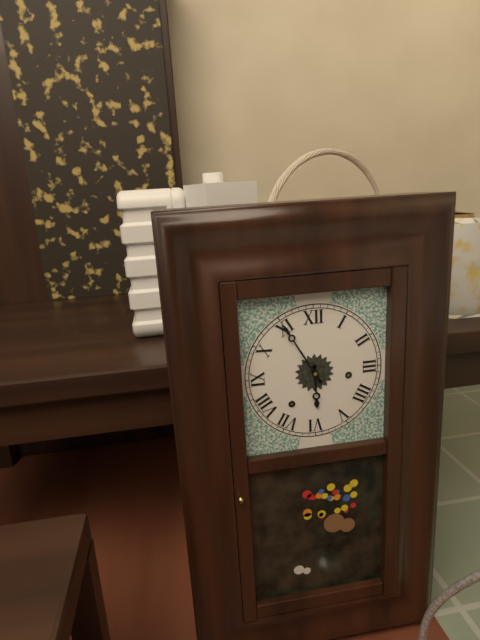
**5:55**
